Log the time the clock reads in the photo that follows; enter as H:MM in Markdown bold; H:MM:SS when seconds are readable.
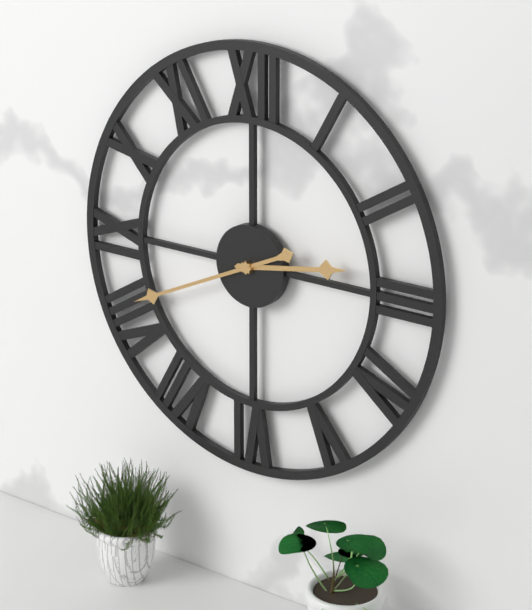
**2:41**
